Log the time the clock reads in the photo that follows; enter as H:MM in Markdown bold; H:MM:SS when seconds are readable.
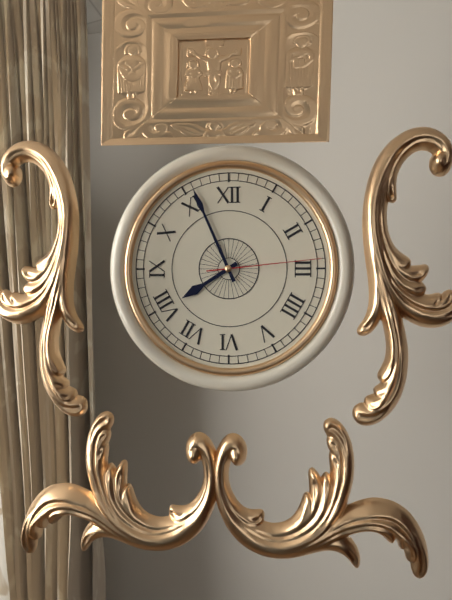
**7:56:14**
